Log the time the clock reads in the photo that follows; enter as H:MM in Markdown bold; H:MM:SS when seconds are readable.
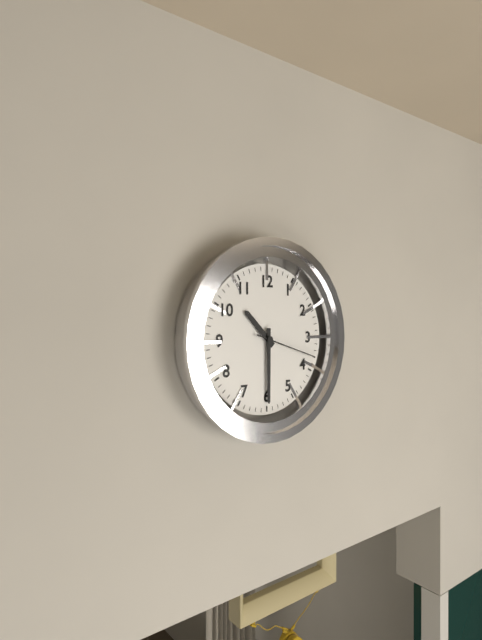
**10:30:18**
